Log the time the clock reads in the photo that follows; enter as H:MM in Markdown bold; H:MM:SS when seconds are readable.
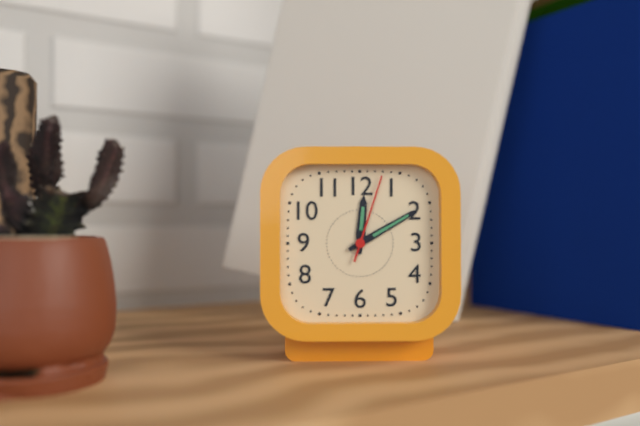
**12:10:03**
